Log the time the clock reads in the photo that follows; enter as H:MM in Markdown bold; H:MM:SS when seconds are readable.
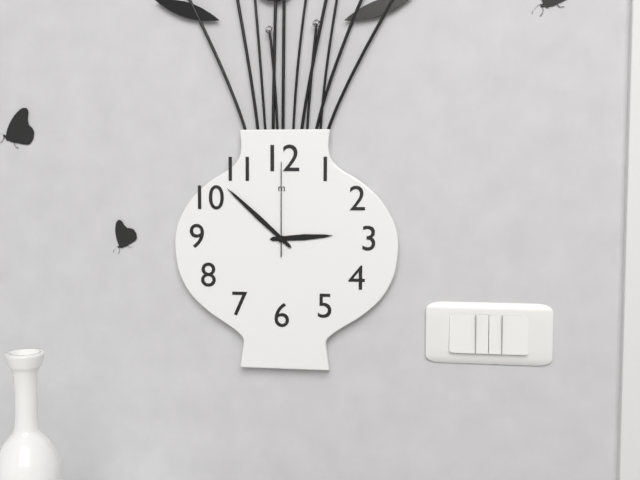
**2:52:00**
